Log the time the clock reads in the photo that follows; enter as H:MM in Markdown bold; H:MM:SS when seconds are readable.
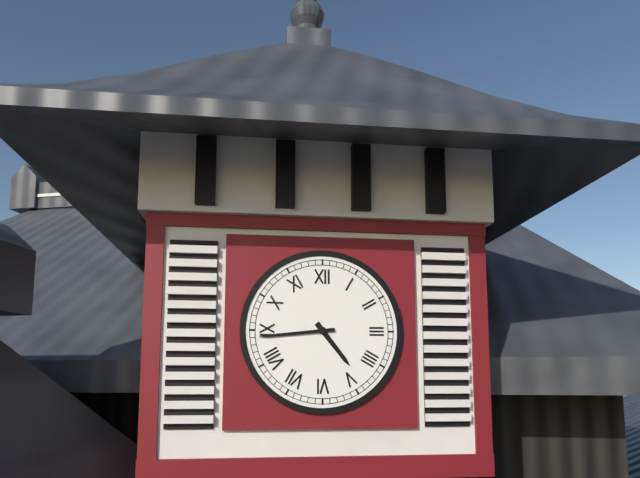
**4:44**
